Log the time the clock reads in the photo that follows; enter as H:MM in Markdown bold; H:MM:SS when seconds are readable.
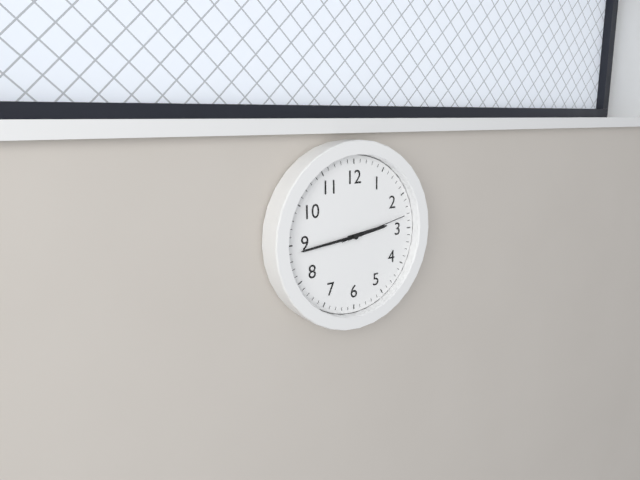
**2:44:13**
